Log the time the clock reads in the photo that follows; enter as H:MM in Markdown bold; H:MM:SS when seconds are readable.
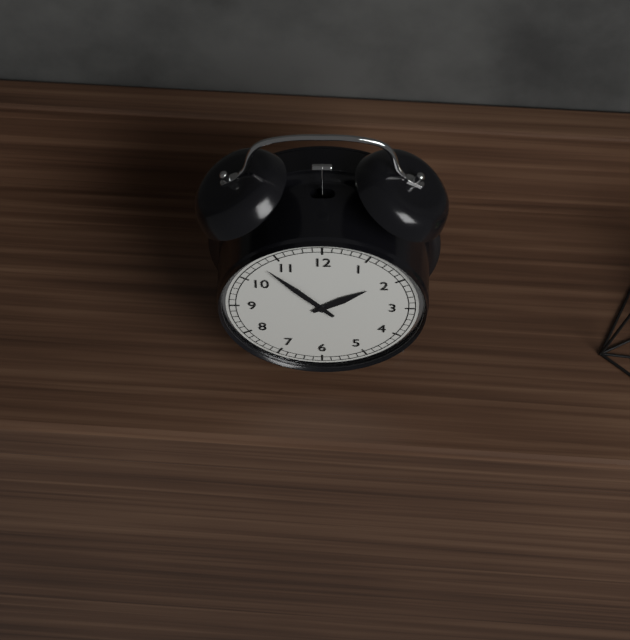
**1:53**
